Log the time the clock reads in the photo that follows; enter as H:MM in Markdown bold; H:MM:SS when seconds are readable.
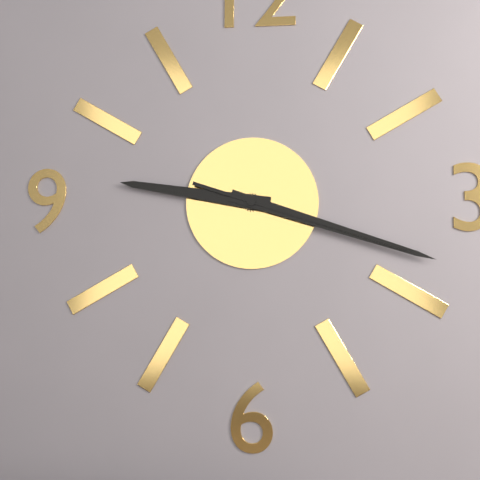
**9:18:18**
